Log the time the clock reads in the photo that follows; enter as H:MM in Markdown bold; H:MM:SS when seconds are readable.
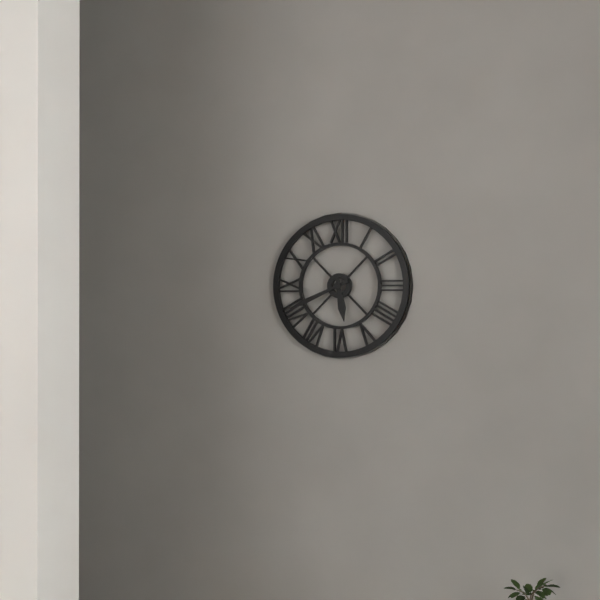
**5:41**
